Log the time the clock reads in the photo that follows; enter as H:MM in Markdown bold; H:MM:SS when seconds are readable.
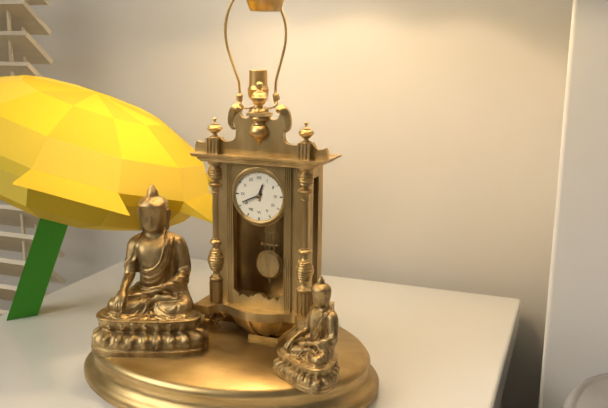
**12:41**
